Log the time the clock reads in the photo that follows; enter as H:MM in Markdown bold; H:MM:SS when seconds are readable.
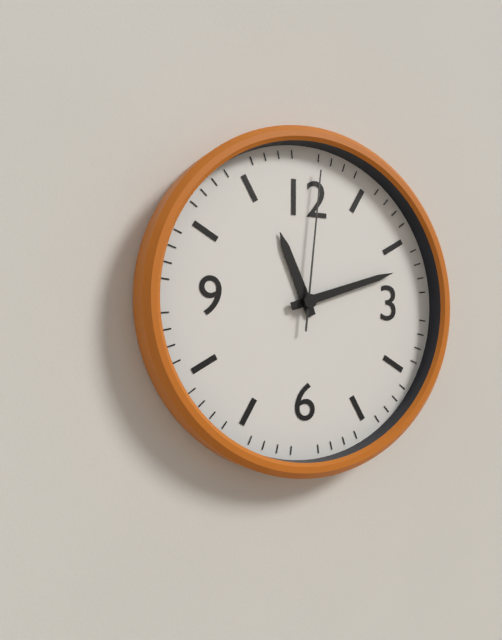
**11:12:01**
